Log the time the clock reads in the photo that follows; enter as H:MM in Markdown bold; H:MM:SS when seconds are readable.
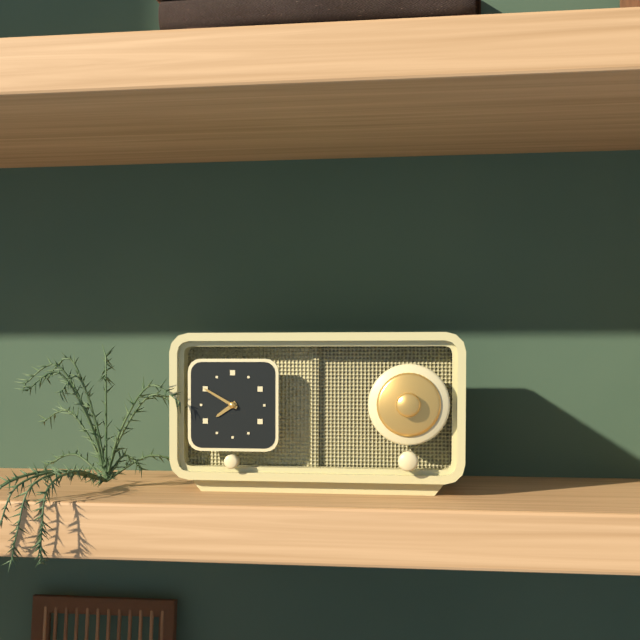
**7:50**
